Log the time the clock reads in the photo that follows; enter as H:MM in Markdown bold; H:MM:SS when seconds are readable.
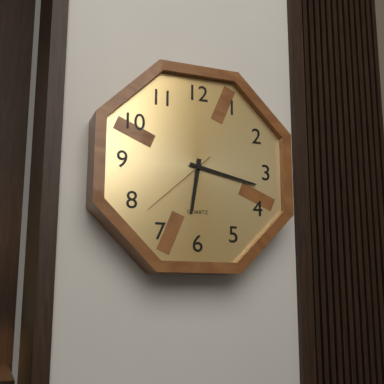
**6:17:38**
